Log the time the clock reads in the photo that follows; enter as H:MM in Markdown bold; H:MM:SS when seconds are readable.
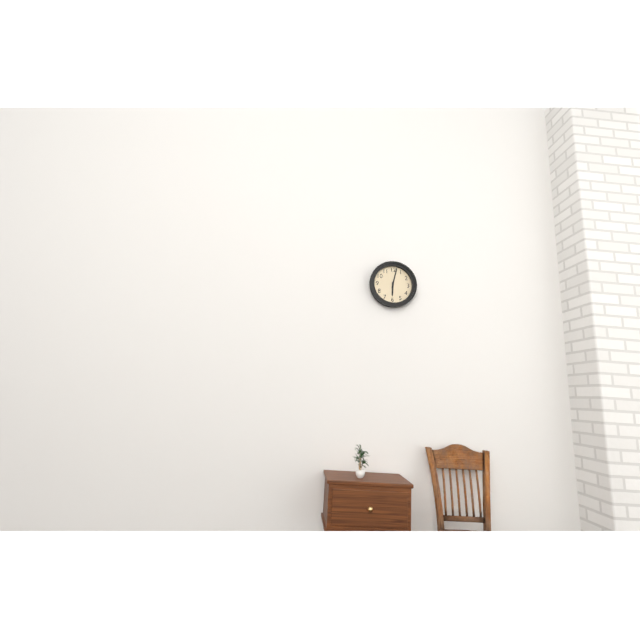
**6:02**
